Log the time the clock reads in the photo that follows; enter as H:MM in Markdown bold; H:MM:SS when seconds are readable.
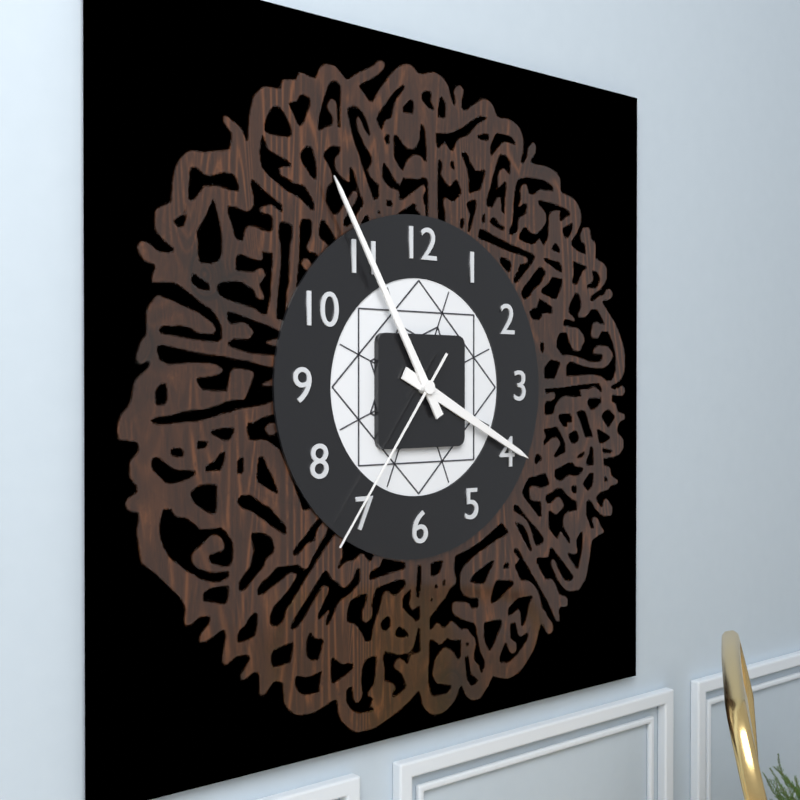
**3:55:36**
